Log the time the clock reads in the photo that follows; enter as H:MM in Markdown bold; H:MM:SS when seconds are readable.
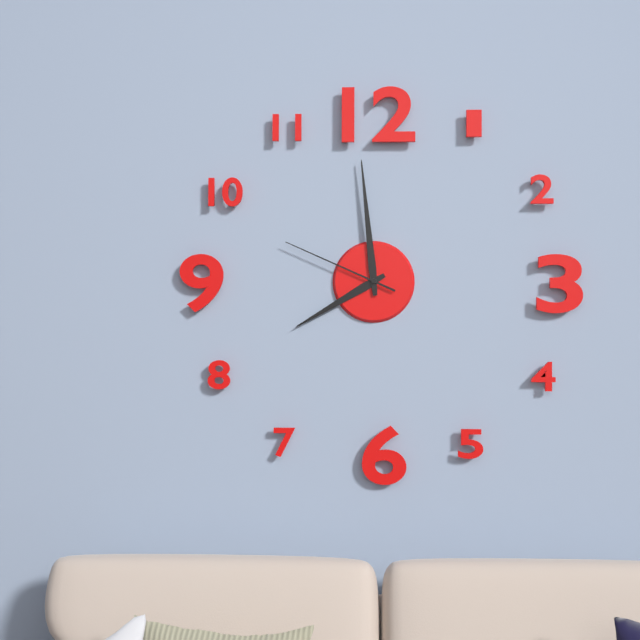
**7:59:49**
